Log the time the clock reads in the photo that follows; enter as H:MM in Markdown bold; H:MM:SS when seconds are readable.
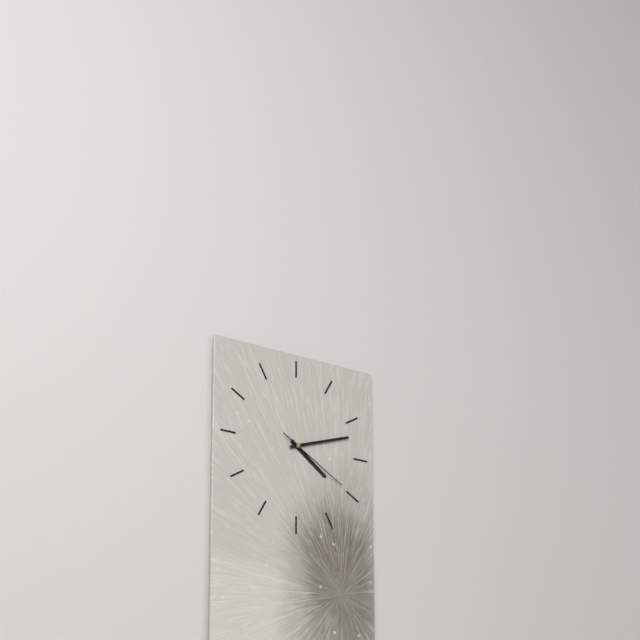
**4:12:20**
